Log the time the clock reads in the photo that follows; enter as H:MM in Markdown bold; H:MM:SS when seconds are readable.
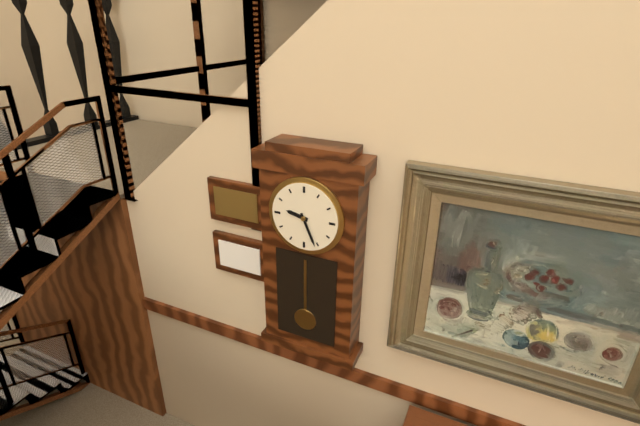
**9:26**
